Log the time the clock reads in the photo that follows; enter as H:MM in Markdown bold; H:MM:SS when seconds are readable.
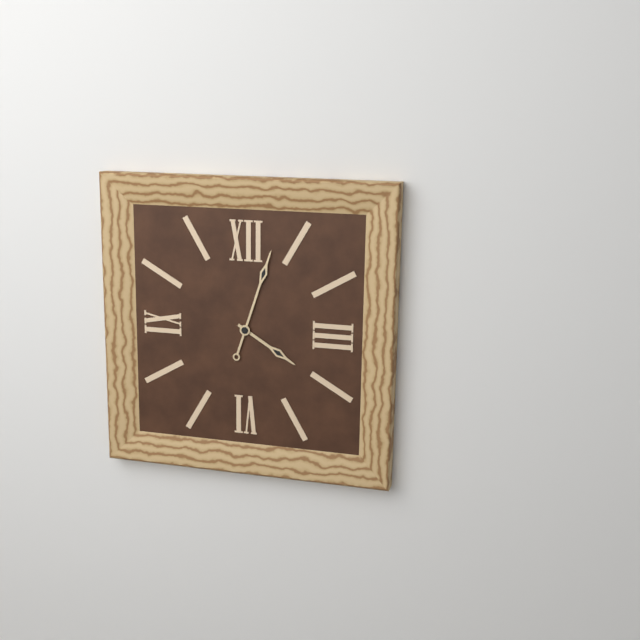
**4:03**
